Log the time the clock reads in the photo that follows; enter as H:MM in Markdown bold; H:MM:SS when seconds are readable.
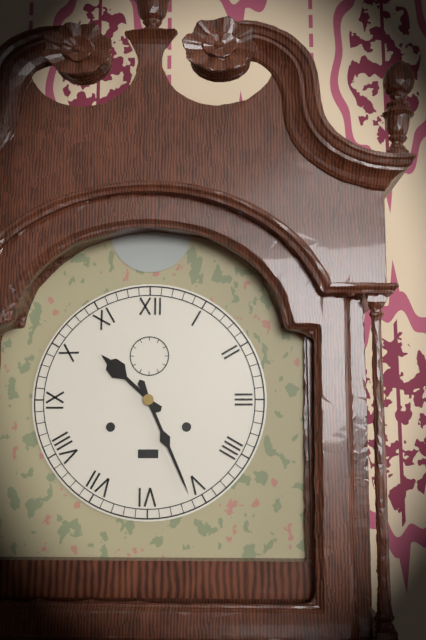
**10:26**
